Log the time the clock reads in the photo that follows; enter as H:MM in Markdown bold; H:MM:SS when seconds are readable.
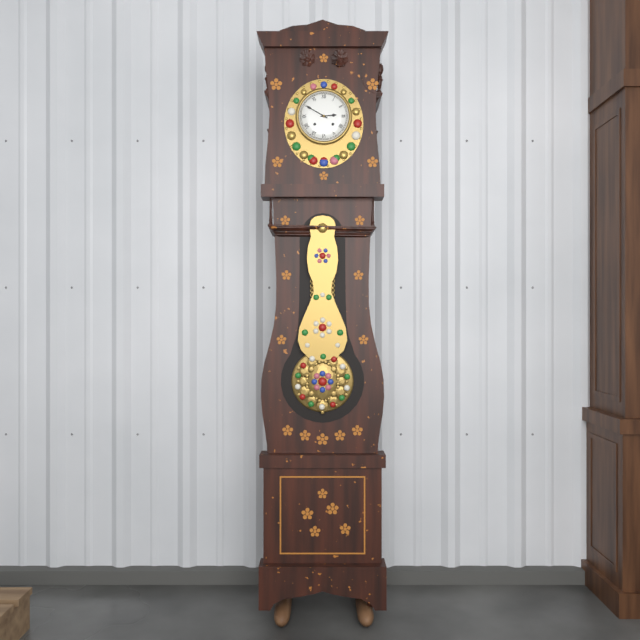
**2:50**
